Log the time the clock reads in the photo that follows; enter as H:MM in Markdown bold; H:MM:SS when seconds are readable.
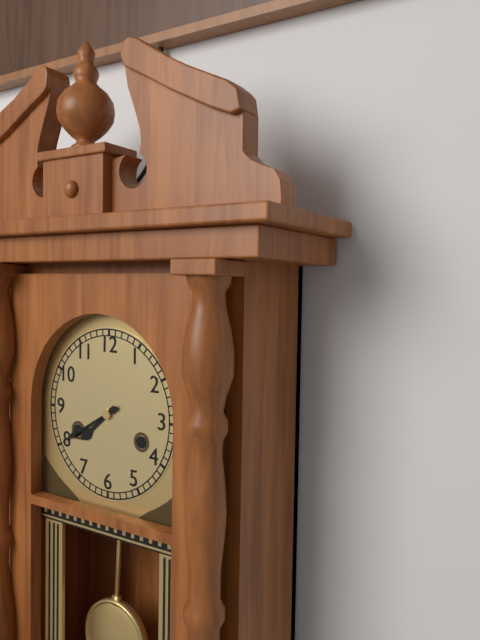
**7:40**
